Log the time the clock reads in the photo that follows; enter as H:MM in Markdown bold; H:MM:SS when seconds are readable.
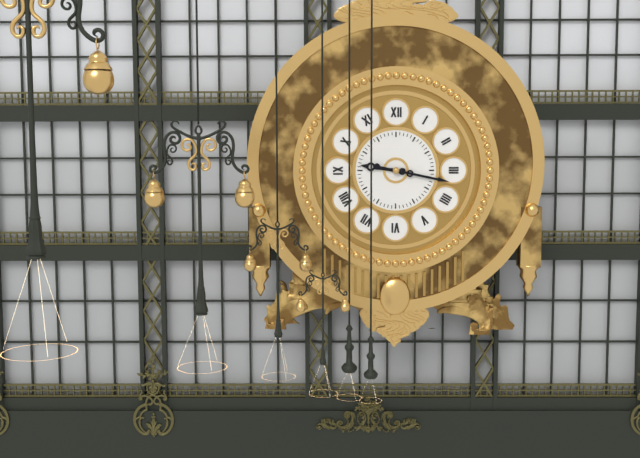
**9:17**
